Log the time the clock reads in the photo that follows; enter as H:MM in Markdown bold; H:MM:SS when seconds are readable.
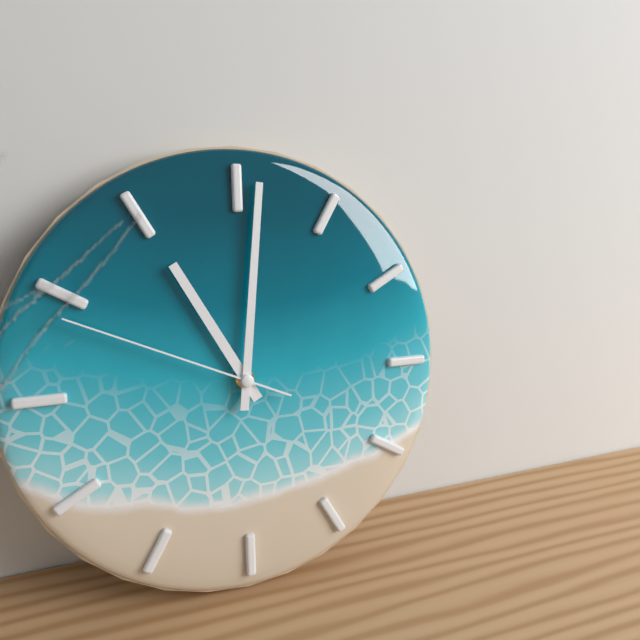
**11:01:49**
